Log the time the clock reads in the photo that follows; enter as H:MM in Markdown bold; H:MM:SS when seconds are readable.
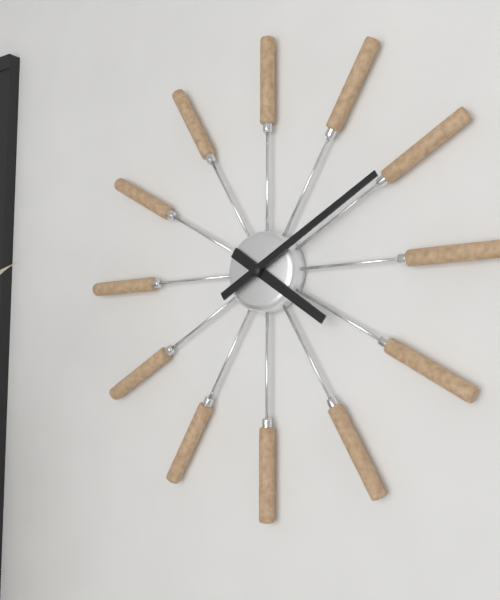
**4:10**
